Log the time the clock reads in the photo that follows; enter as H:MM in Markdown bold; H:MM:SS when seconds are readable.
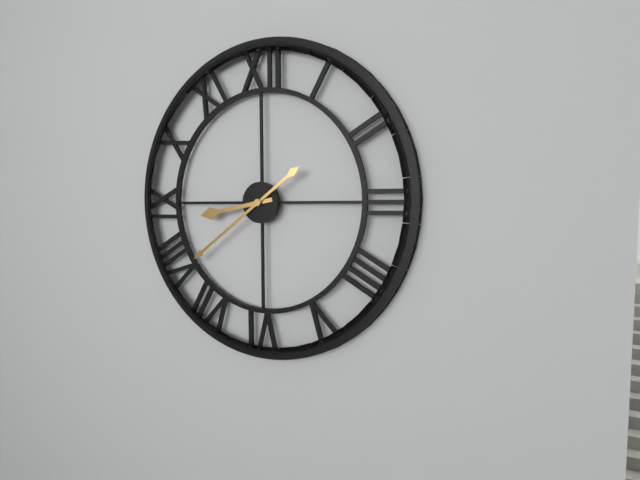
**8:39**
